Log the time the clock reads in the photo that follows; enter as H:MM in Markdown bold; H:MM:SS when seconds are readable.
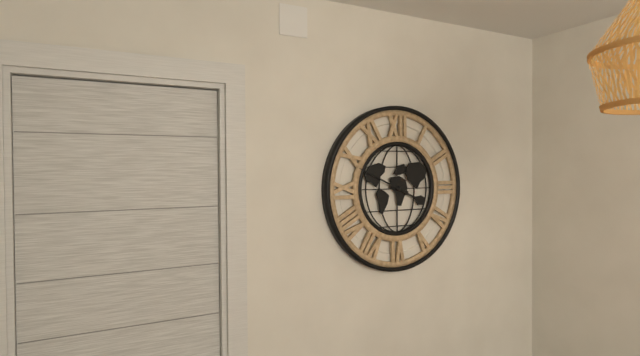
**3:49**
